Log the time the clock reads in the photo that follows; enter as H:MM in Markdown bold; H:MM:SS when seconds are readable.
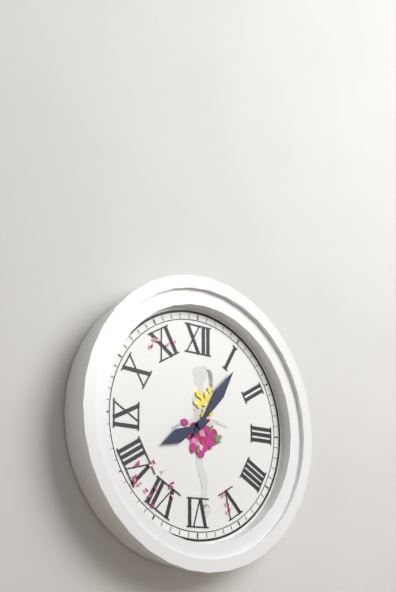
**8:06**
